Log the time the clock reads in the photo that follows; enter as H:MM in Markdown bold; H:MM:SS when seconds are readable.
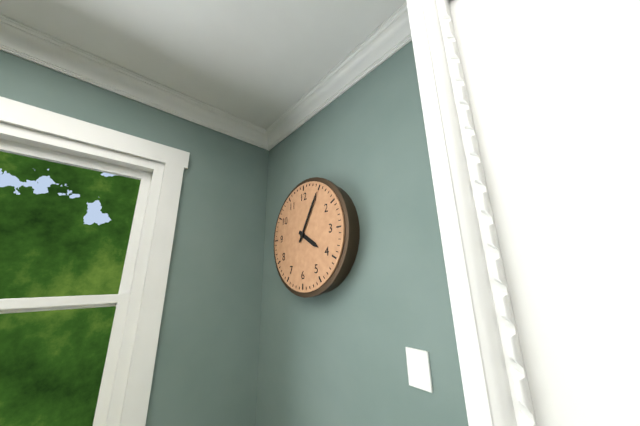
**4:05**
